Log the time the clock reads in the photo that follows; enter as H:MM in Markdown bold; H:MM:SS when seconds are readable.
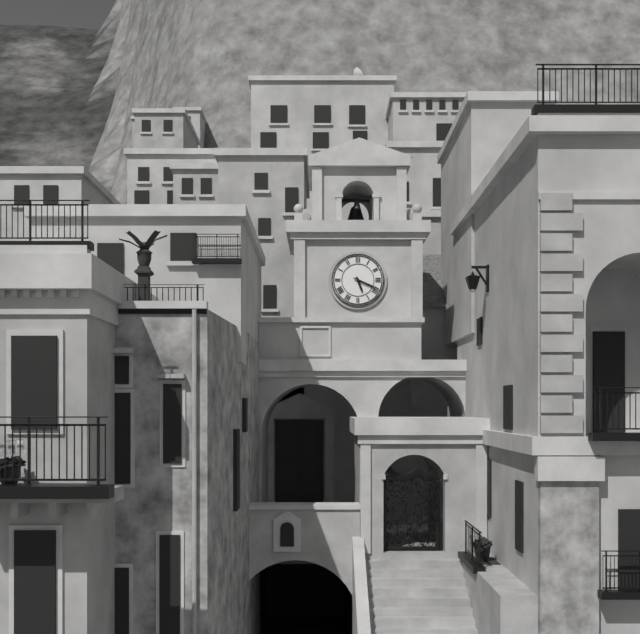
**5:19**
